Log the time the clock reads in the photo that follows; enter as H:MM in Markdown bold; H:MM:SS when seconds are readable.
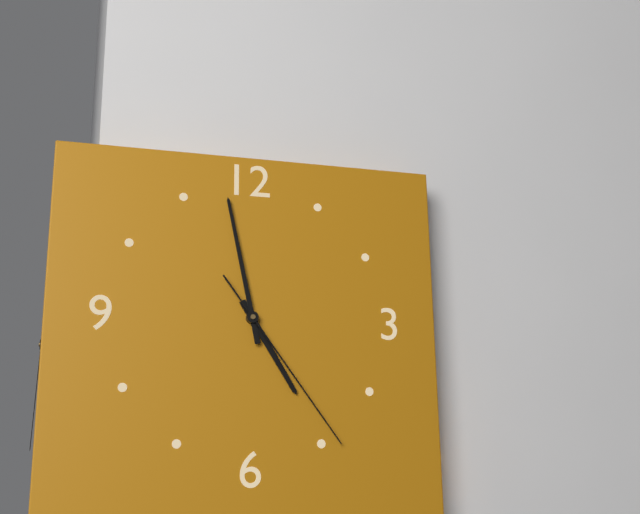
**4:58:24**
